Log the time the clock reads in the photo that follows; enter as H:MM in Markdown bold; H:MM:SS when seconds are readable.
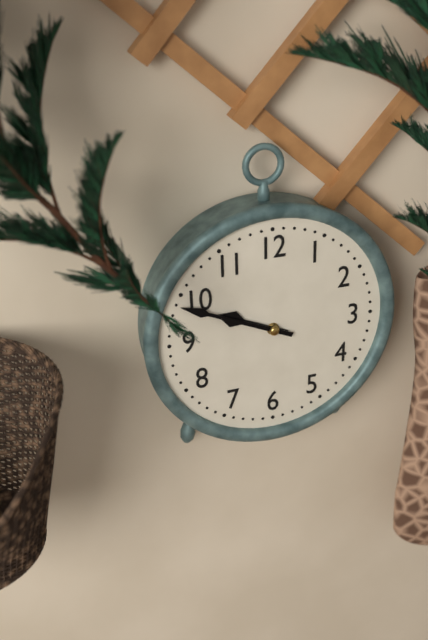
**9:49**
